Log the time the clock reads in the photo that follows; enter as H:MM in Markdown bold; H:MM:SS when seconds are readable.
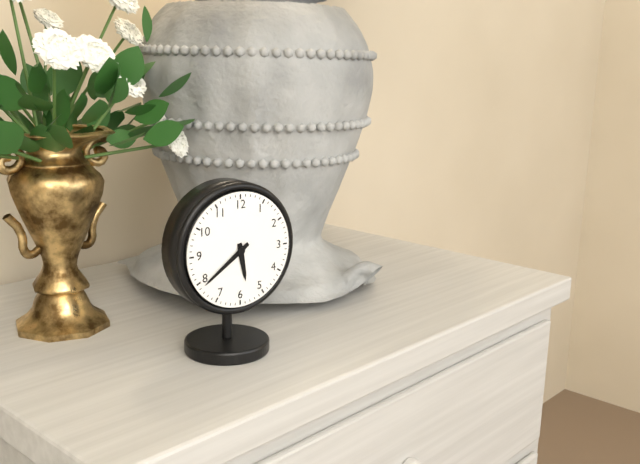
**5:39**
